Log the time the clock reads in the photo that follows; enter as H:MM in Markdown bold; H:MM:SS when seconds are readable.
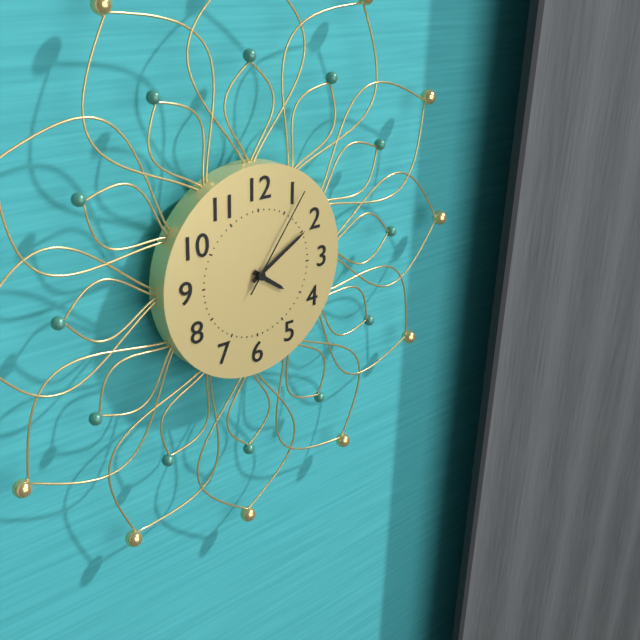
**4:10:06**
